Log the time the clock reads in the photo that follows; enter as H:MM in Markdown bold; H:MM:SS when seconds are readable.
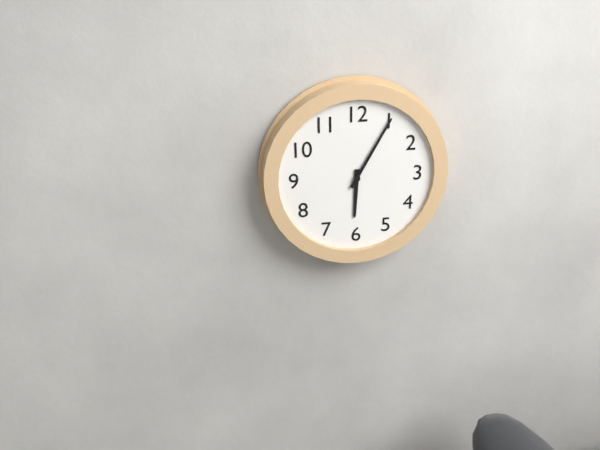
**6:05**
